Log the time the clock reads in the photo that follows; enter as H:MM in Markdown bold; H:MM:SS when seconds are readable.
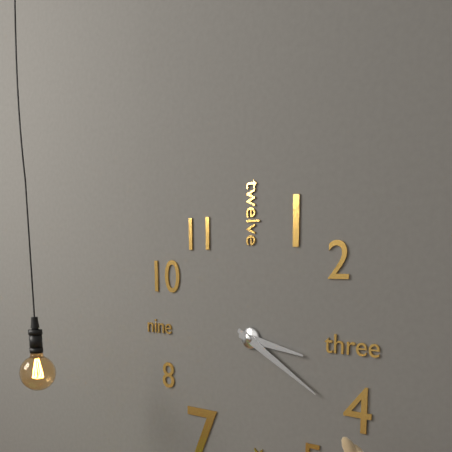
**3:20**
